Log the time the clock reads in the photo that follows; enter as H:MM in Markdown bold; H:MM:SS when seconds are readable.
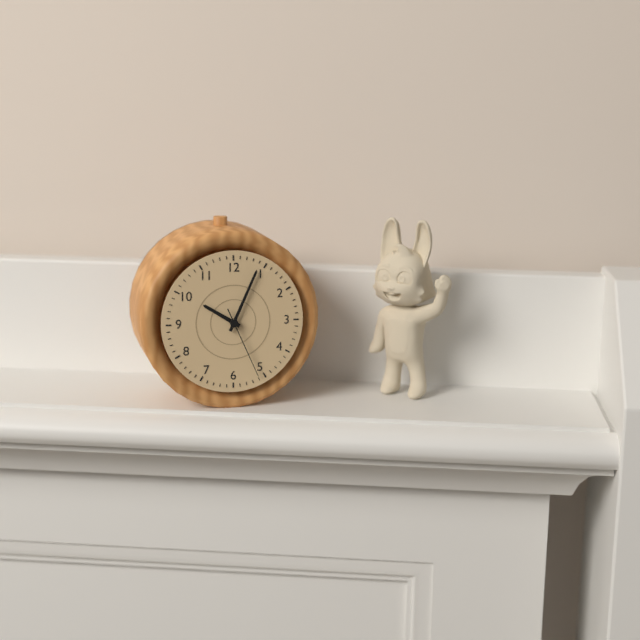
**10:04:26**
